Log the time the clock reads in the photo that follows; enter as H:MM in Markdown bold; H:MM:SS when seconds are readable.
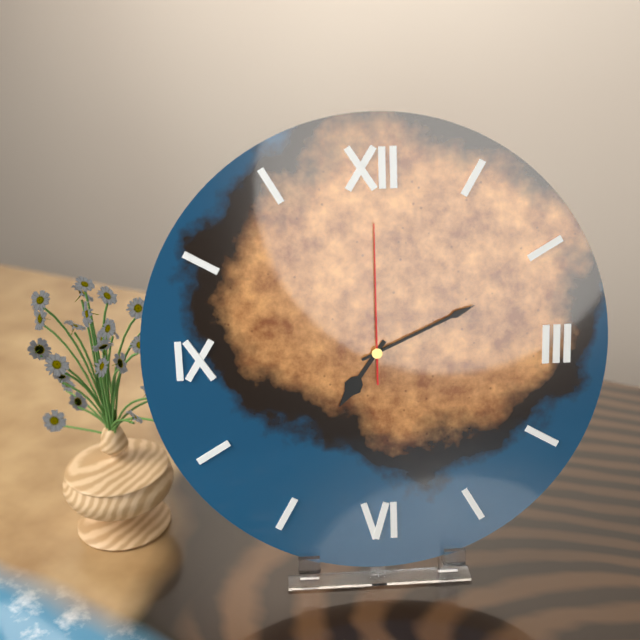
**7:11:00**
